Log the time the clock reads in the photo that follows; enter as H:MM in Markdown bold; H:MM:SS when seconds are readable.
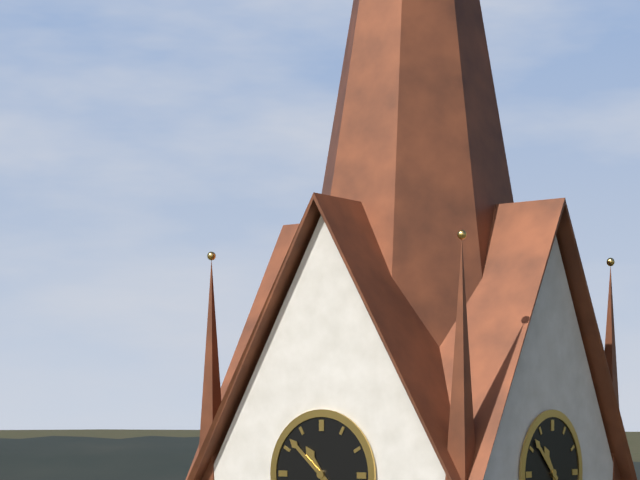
**10:52**
